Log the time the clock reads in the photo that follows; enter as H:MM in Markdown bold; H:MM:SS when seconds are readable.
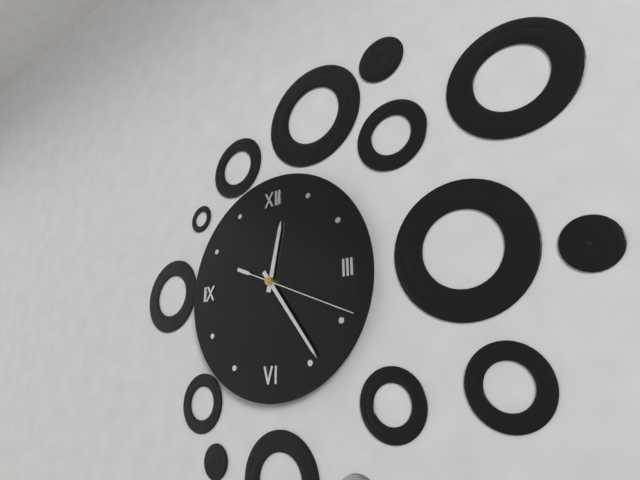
**12:24:19**
